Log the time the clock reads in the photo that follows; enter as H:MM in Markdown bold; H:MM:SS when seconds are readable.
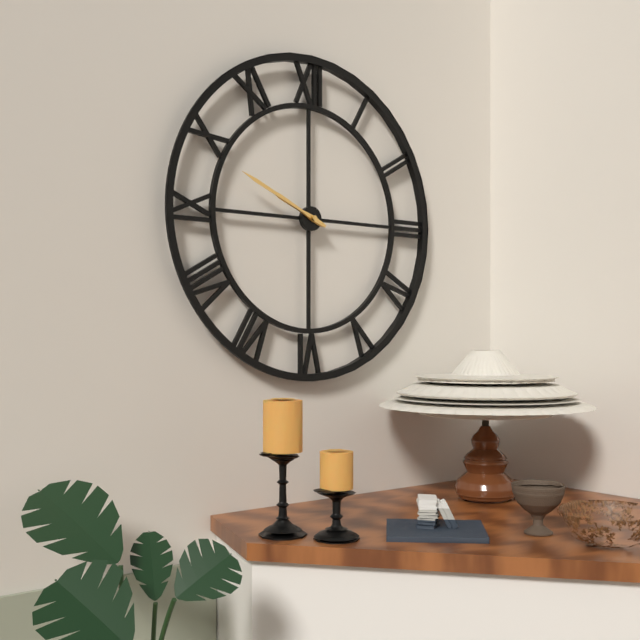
**9:49**
